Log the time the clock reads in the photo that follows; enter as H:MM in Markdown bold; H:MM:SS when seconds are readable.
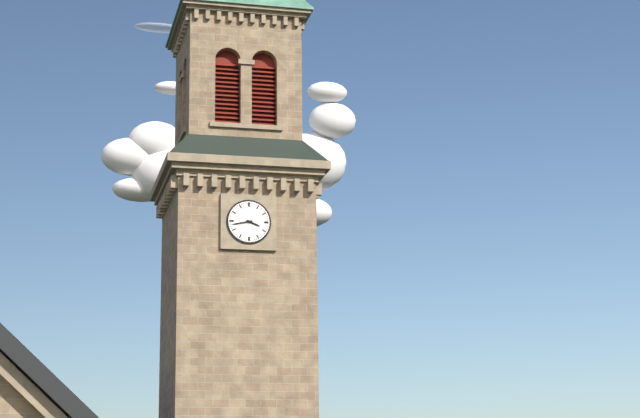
**3:43**
